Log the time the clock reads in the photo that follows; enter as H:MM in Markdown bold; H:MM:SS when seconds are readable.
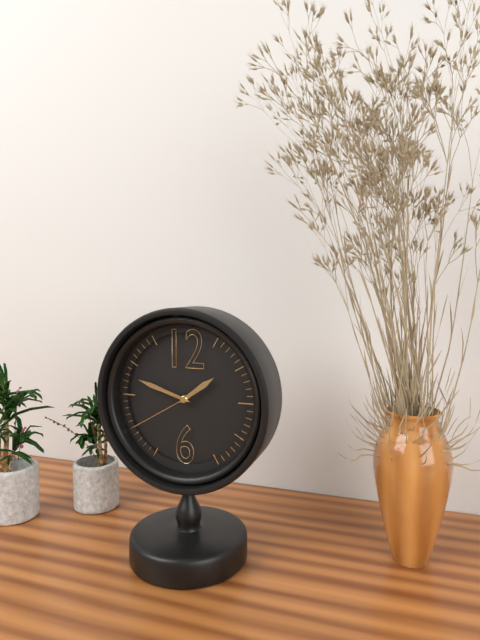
**1:48:40**
